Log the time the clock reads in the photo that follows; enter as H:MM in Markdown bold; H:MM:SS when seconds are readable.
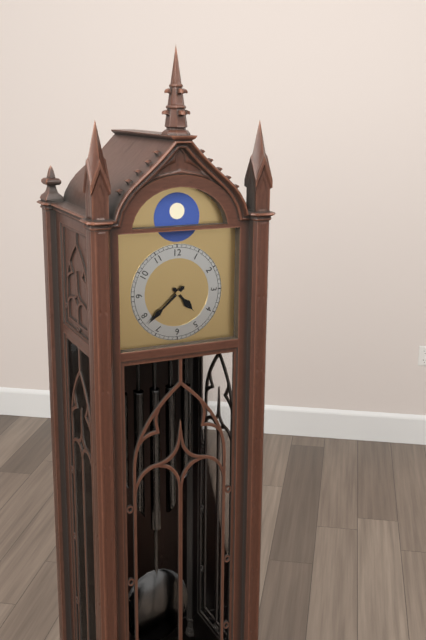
**4:38**
